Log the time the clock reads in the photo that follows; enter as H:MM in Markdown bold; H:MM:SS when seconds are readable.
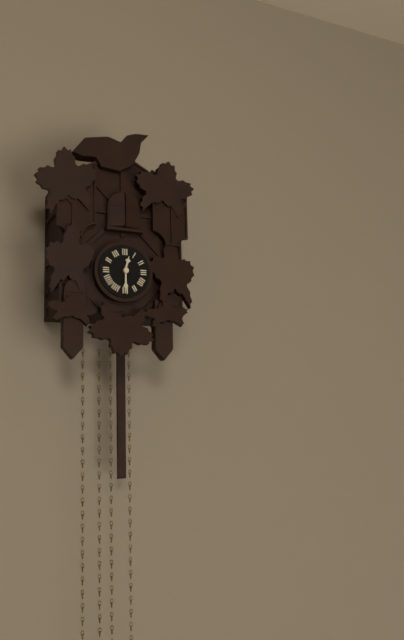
**12:30**
